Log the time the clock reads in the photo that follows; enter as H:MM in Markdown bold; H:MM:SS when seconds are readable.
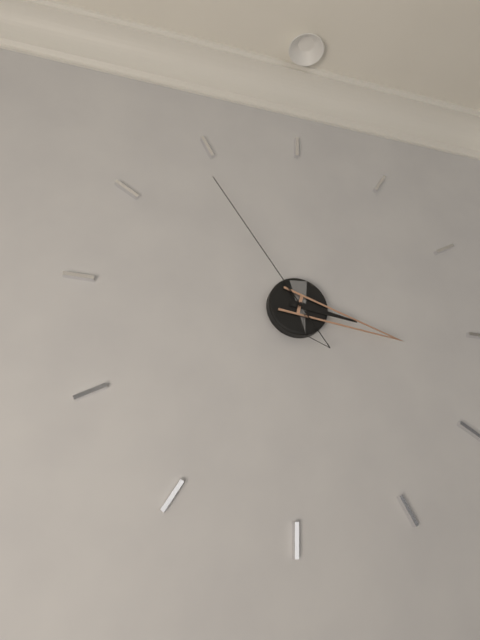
**3:17:54**
